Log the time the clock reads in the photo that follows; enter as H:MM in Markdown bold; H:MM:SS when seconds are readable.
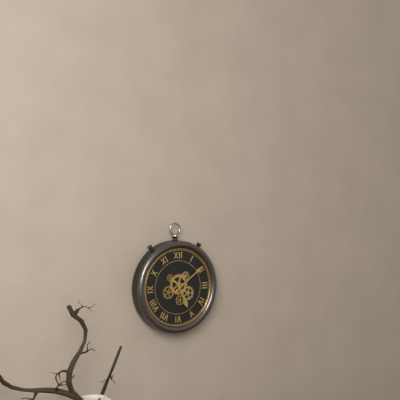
**5:09**
